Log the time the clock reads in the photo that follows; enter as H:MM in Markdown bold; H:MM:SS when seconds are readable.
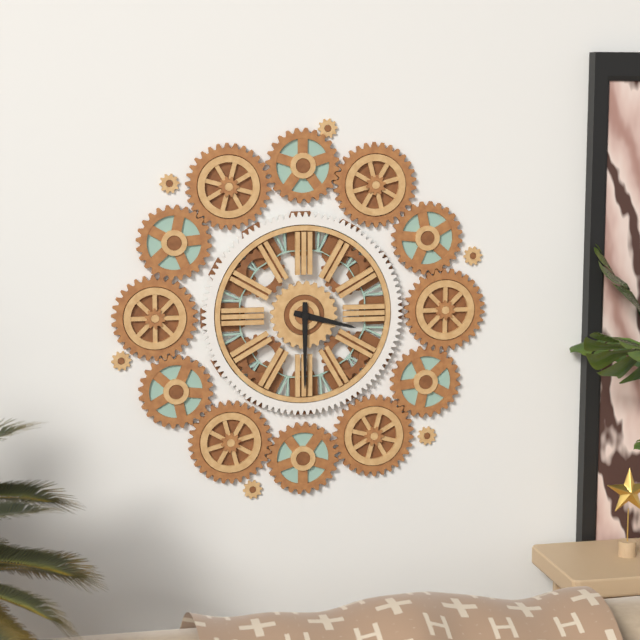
**3:30**
